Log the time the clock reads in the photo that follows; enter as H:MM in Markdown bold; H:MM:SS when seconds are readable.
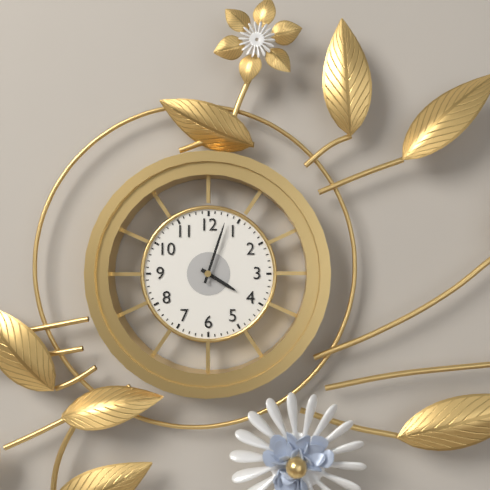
**4:03**
